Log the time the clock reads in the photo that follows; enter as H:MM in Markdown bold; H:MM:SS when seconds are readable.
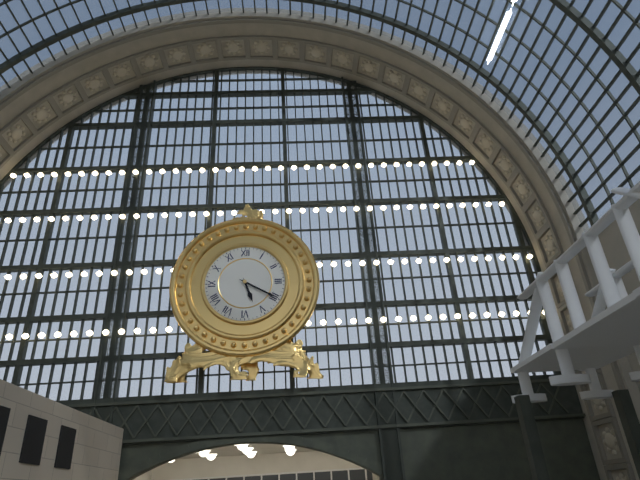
**5:20**
